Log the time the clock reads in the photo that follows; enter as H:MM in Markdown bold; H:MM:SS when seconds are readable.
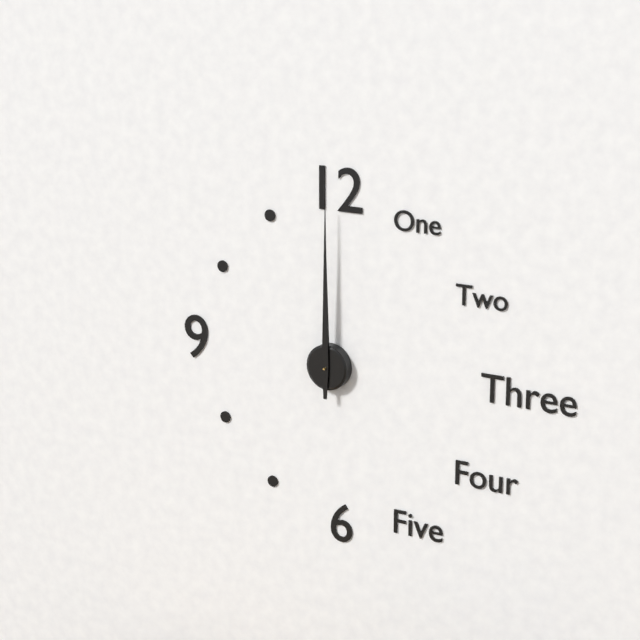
**12:00**
